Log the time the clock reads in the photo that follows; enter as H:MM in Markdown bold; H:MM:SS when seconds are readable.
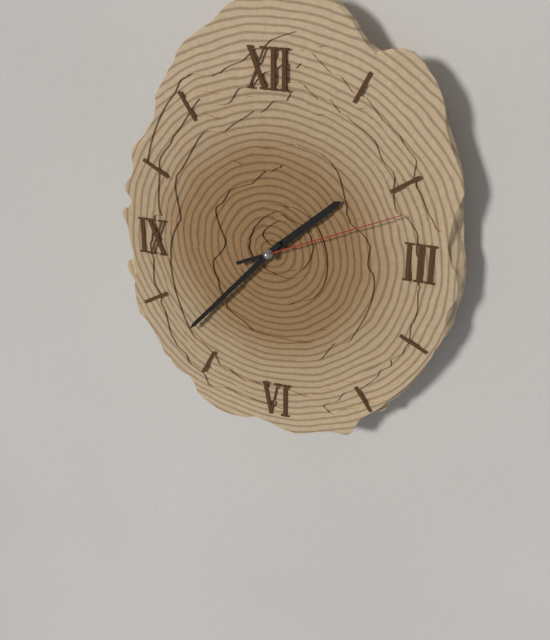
**1:37:11**
